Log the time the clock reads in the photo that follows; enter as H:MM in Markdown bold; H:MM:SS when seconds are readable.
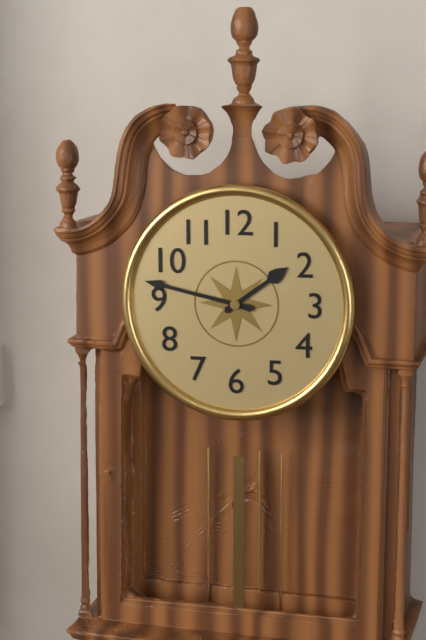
**1:47**
